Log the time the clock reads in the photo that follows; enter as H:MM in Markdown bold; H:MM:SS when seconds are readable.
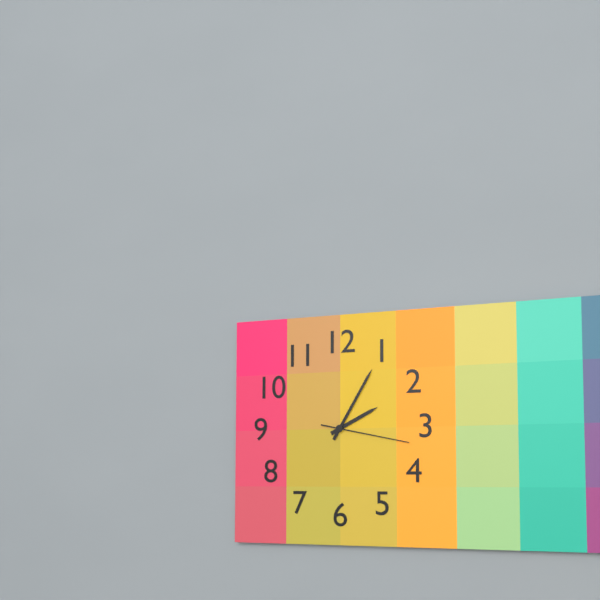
**2:05:17**
